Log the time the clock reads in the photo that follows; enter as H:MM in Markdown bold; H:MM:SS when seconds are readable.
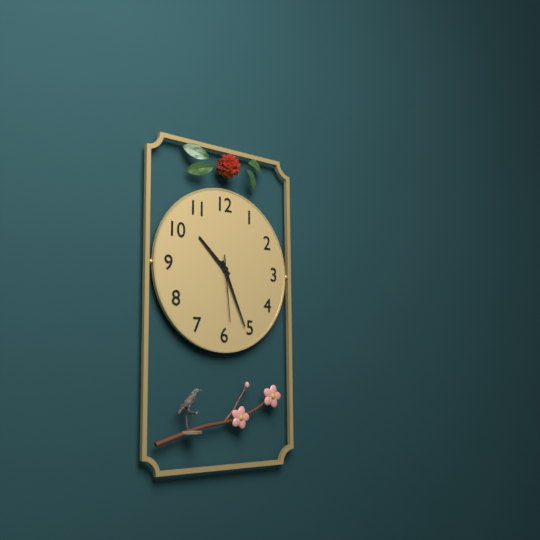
**10:26:29**
